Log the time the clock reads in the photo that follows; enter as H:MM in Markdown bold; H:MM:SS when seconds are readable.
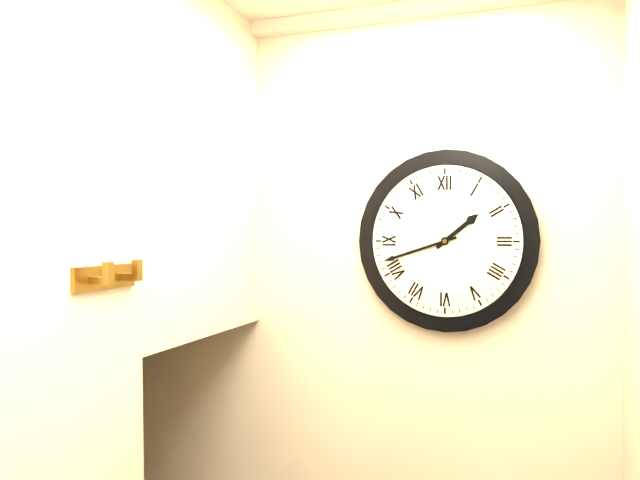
**1:42**
